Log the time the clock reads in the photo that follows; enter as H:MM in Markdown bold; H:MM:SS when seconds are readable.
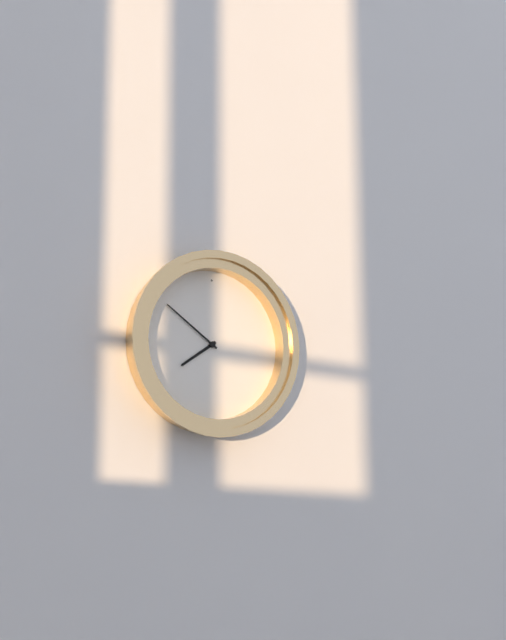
**7:51**
